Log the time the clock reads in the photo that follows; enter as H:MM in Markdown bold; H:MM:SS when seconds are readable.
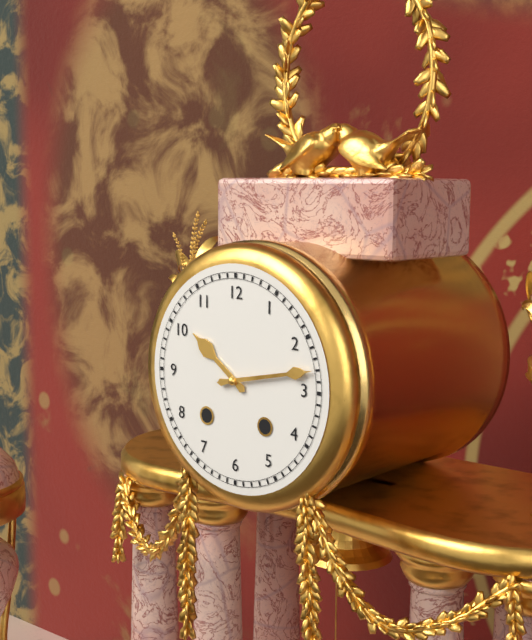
**10:13**
